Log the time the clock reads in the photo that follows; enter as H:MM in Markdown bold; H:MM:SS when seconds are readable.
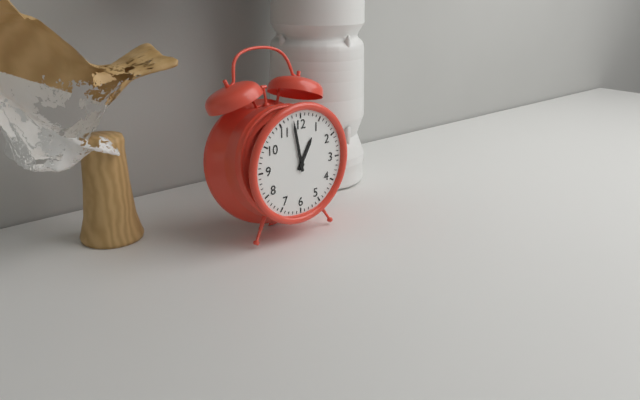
**12:58**
